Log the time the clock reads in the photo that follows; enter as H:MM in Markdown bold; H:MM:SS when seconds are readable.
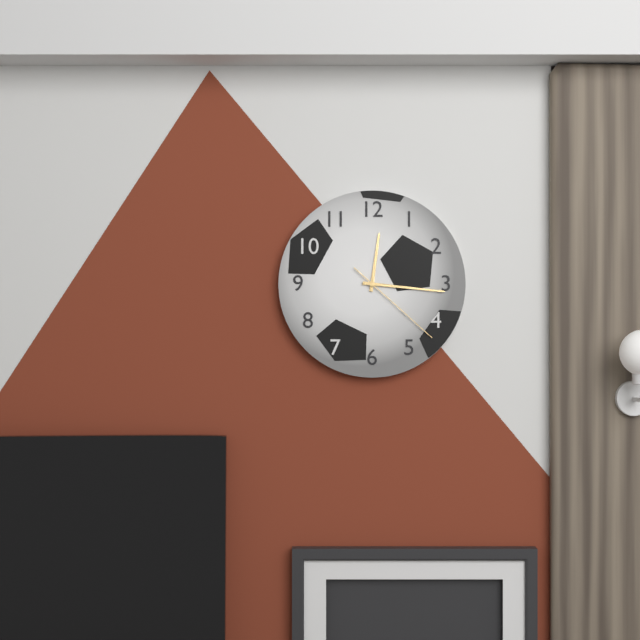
**12:16:22**
